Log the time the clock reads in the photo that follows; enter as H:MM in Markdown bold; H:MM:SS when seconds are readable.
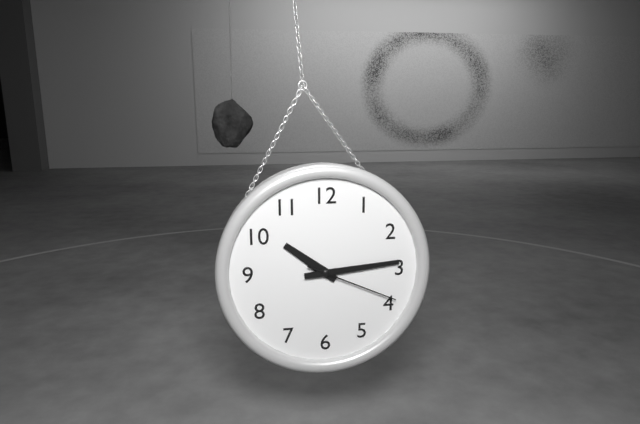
**10:14:19**
